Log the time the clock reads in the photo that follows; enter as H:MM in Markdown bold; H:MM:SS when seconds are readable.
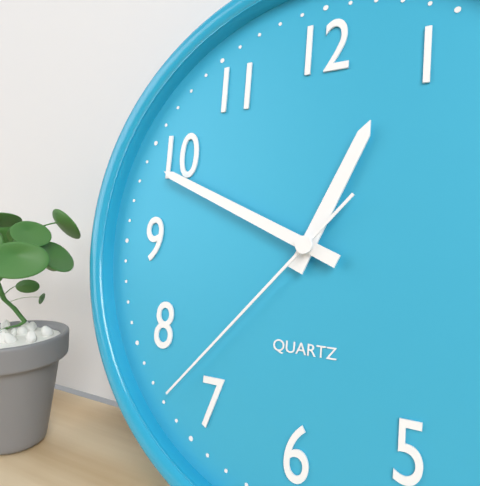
**12:49:37**
